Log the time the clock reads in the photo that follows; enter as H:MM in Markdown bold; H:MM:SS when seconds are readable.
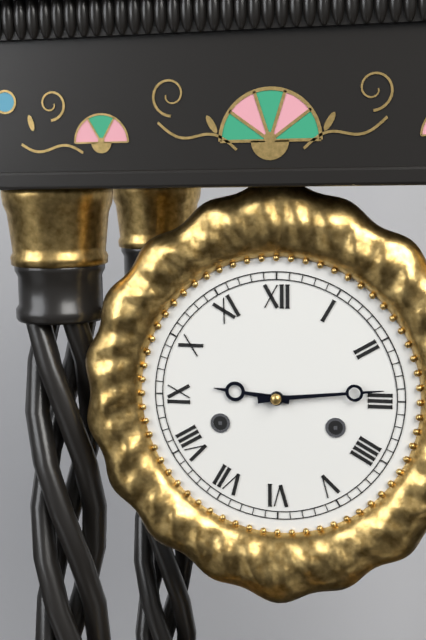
**9:14**
